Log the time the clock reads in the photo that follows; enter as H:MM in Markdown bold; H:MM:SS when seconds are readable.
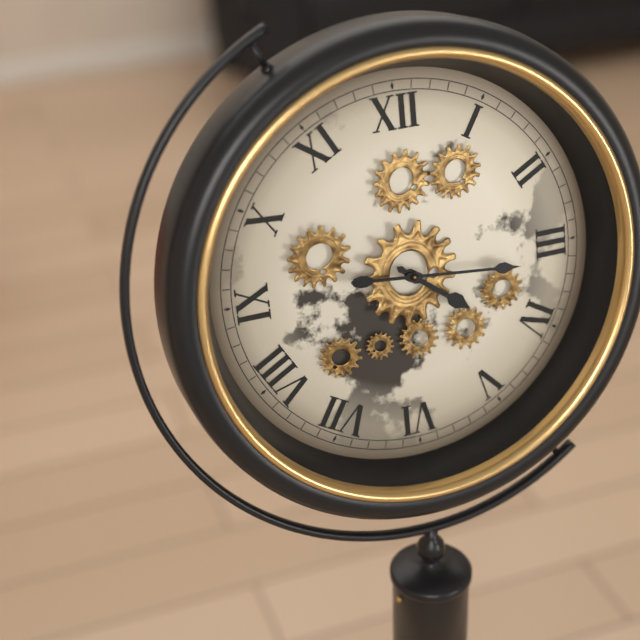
**4:16**
